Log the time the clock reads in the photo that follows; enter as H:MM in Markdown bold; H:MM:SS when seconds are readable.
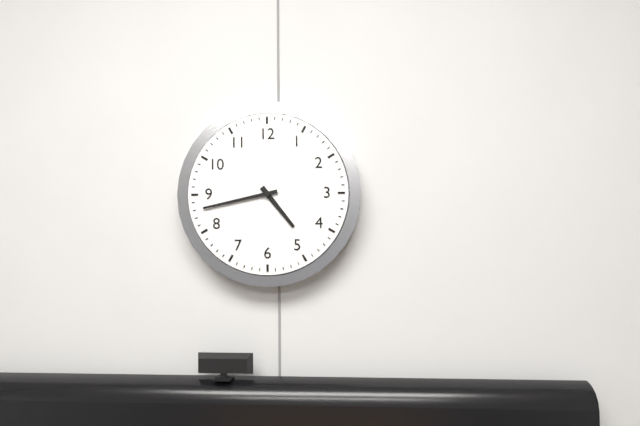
**4:43**
